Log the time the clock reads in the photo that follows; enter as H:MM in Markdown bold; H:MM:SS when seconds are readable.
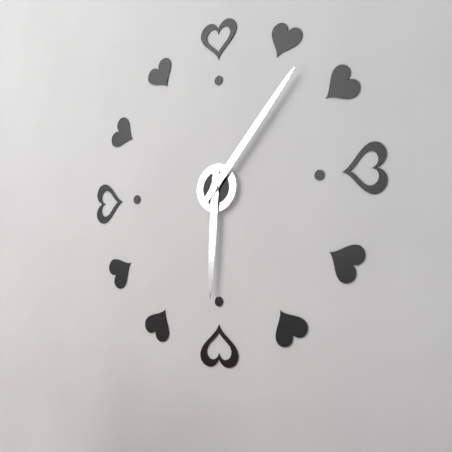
**6:07**
